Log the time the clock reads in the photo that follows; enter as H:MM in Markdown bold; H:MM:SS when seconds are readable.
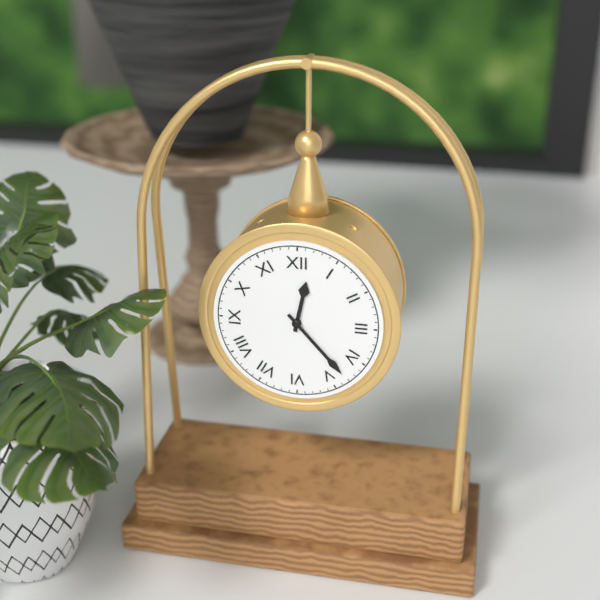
**12:23**
